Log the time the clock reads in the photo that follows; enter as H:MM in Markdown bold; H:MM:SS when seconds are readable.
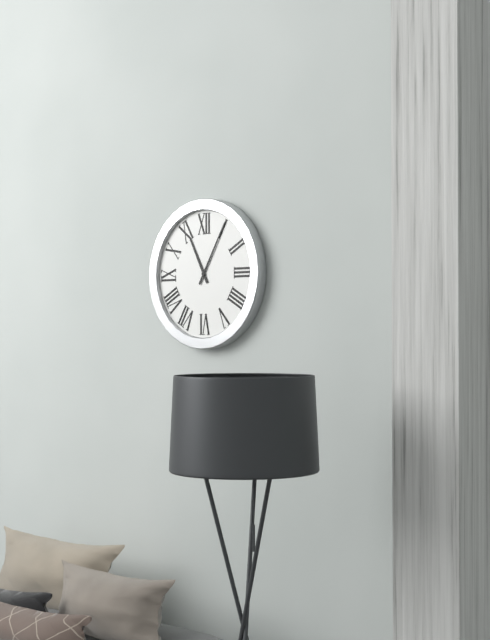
**11:05**
